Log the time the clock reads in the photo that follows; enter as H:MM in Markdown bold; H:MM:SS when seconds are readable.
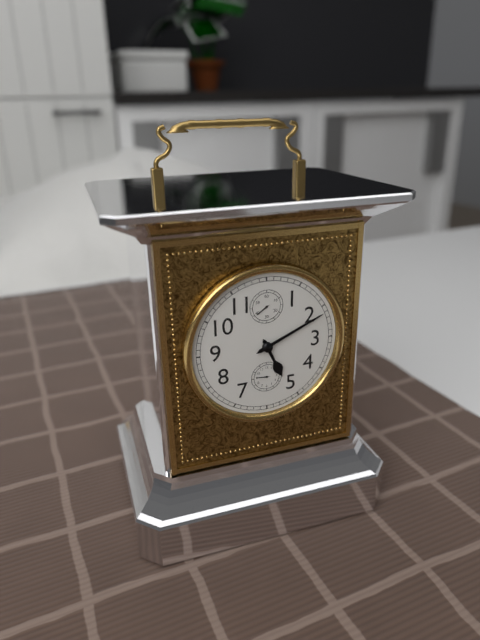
**5:11**
